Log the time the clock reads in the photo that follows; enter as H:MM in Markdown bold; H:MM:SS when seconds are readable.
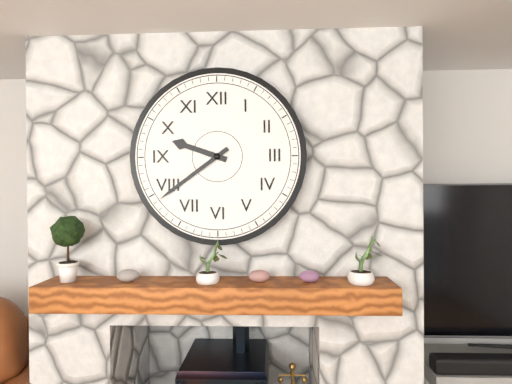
**9:39**
